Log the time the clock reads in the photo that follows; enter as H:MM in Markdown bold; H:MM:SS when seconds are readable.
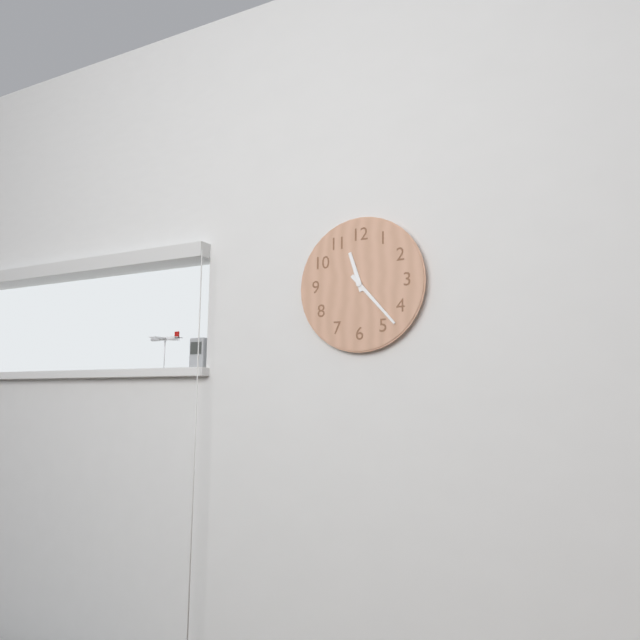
**11:23**
